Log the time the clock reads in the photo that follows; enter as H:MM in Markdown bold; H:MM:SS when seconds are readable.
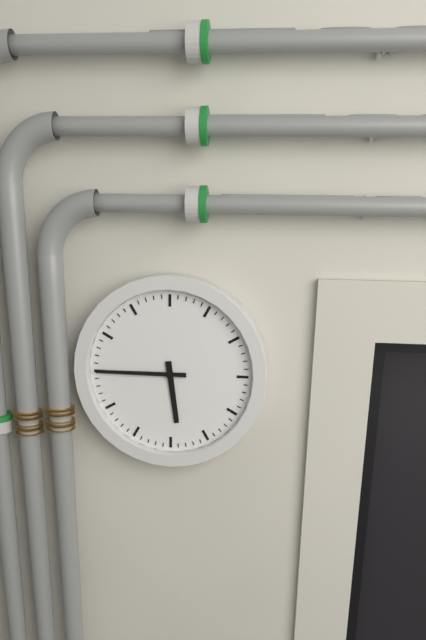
**5:45**
